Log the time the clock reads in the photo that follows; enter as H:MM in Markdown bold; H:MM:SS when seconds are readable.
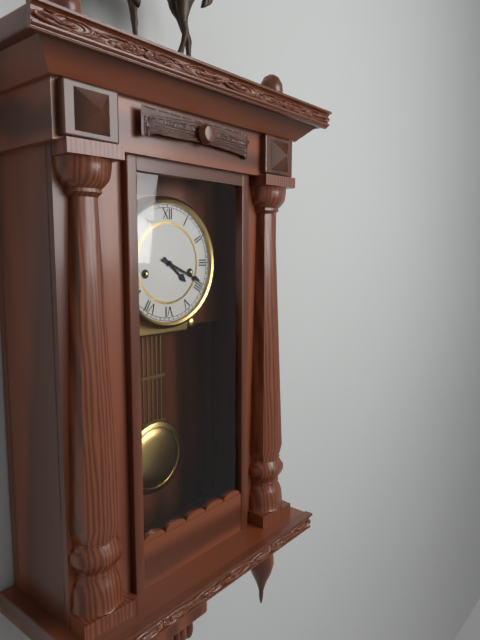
**4:19**
